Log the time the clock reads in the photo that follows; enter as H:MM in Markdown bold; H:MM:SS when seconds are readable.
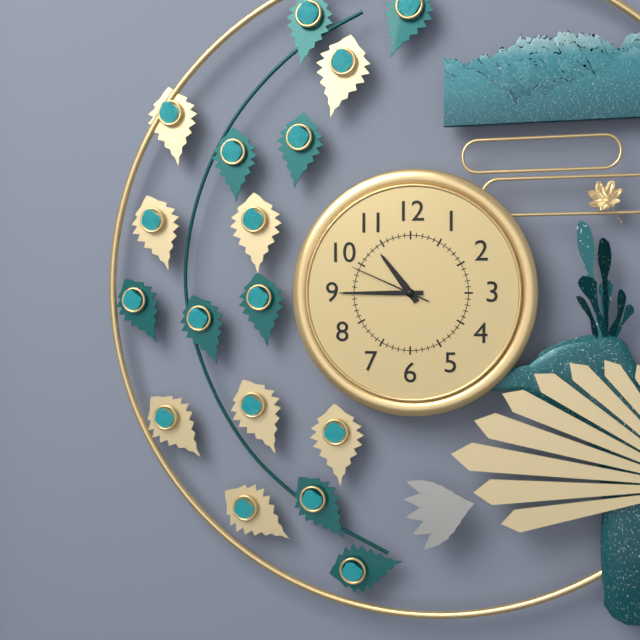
**10:45:49**
